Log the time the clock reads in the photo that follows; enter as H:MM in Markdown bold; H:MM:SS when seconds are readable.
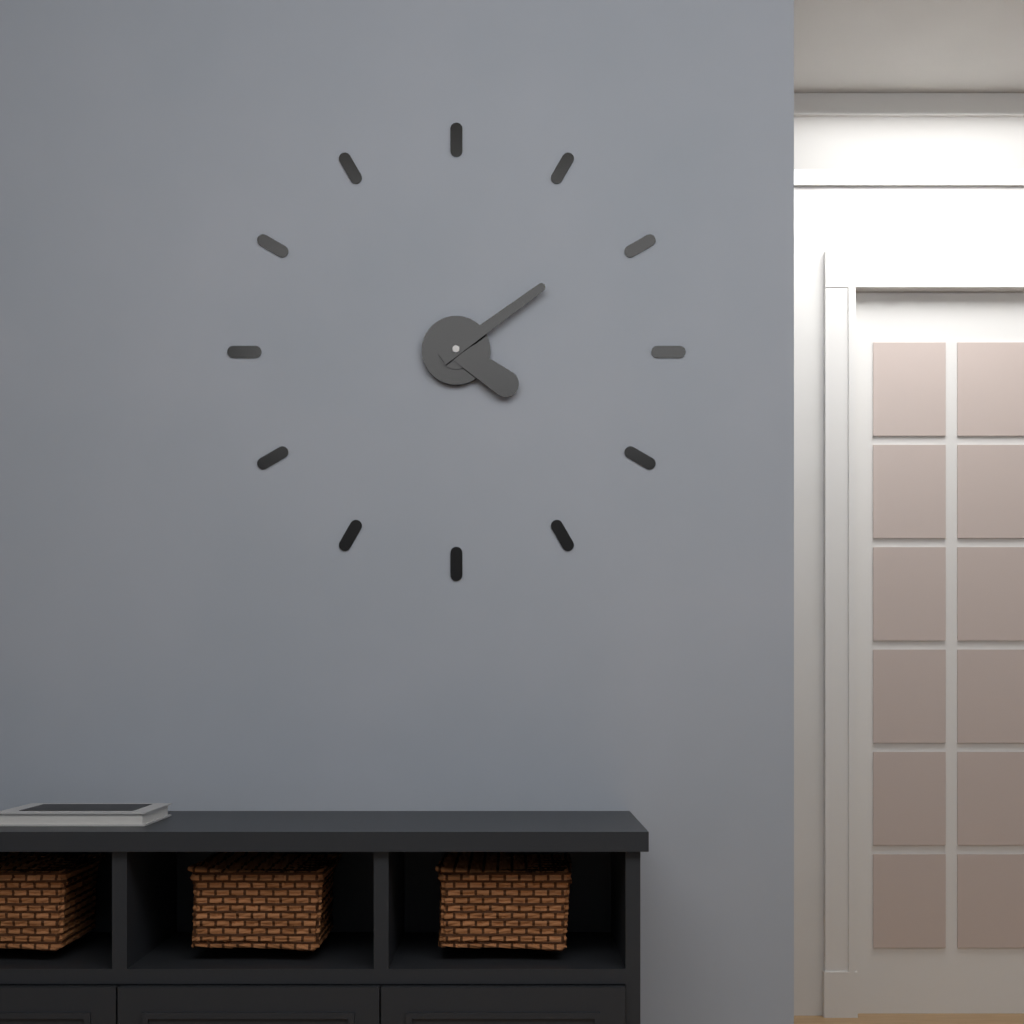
**4:09**
